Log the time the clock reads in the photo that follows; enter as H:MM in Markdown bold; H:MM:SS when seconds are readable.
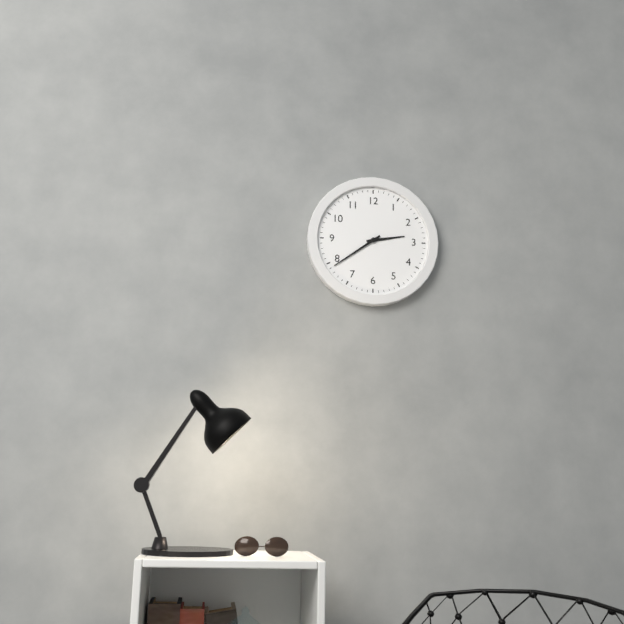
**2:39**
